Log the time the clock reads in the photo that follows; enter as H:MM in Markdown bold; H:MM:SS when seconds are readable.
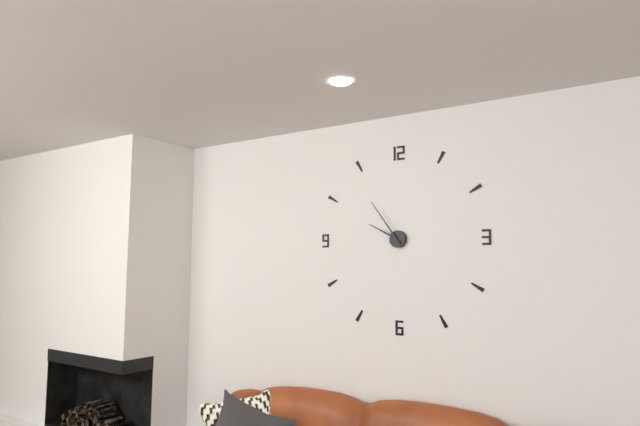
**9:54**
